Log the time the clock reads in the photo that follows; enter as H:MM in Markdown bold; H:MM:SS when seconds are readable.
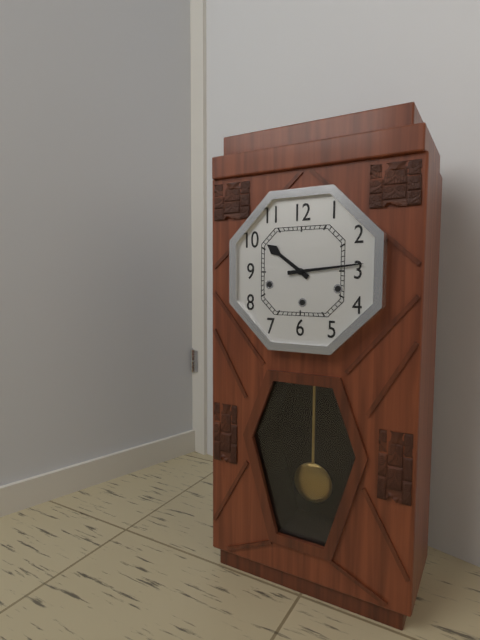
**10:14**
